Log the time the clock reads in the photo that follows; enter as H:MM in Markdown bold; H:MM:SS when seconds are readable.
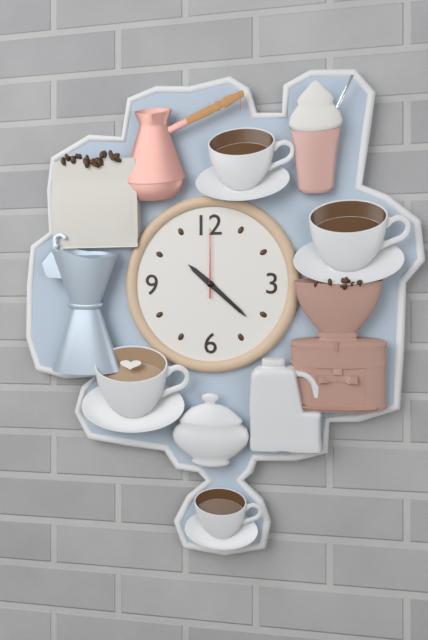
**10:22:00**
